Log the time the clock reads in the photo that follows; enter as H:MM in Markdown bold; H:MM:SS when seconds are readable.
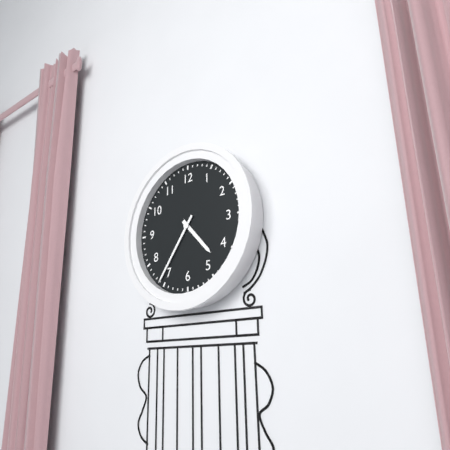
**4:36**
